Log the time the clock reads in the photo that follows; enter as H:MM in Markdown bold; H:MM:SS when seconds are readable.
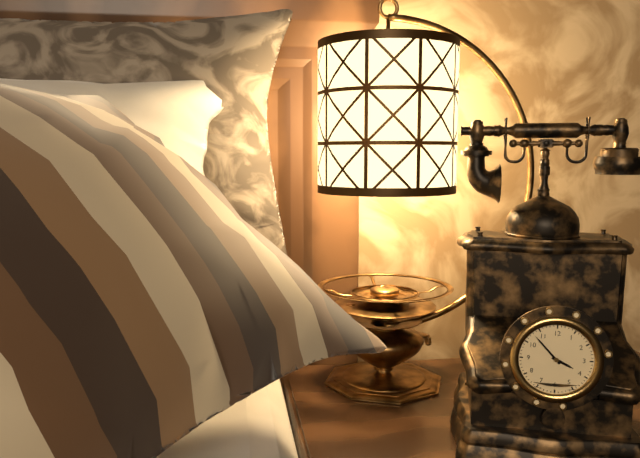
**3:53**
